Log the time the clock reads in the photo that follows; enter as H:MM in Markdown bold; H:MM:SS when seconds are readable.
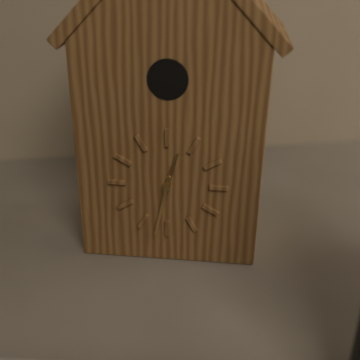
**12:32**
